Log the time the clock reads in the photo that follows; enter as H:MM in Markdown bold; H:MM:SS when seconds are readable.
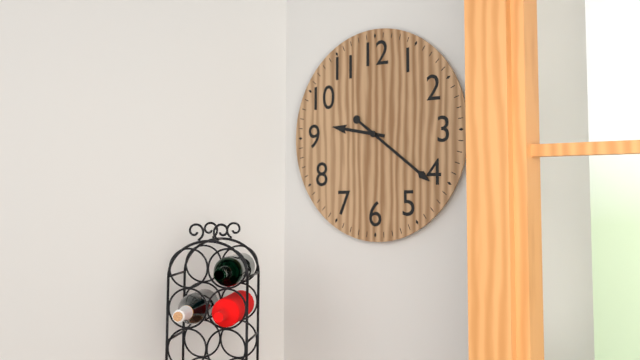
**9:21**
